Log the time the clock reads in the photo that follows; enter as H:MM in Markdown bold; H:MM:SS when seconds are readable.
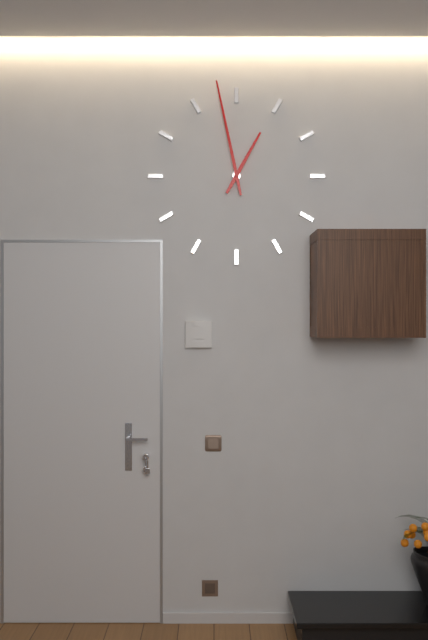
**12:58**
